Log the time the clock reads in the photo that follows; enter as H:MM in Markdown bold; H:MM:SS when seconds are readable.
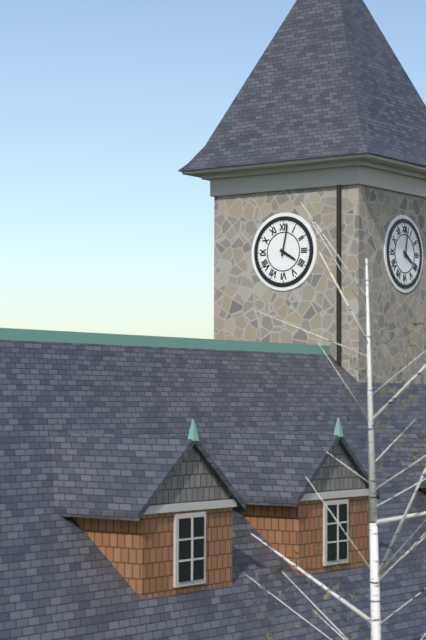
**4:02**
